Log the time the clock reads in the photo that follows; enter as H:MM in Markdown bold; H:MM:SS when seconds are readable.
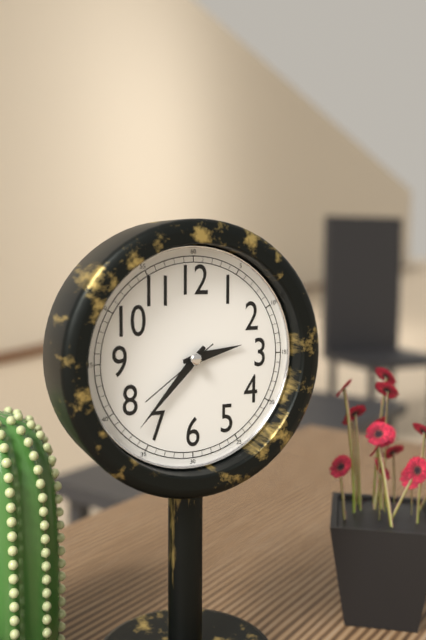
**2:37:39**
